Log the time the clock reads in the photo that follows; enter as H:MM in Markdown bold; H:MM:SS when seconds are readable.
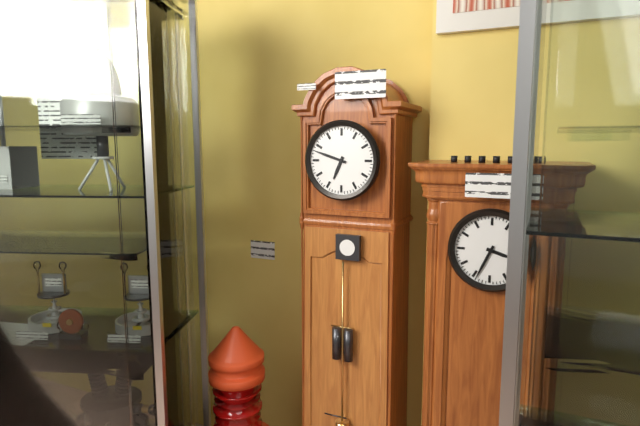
**6:48**
